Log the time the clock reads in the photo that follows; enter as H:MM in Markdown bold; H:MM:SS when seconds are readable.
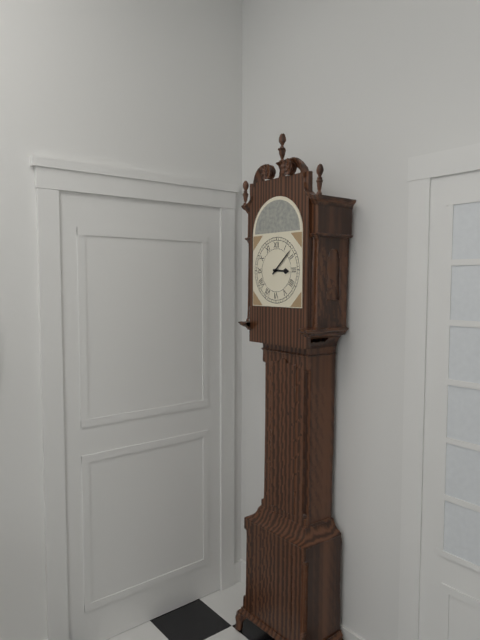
**3:08**
